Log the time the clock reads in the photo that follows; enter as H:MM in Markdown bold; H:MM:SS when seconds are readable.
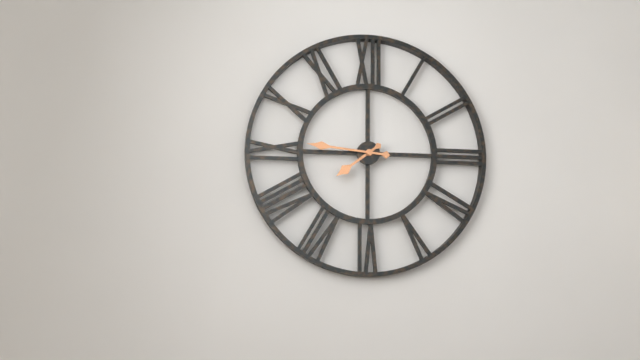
**7:46**
